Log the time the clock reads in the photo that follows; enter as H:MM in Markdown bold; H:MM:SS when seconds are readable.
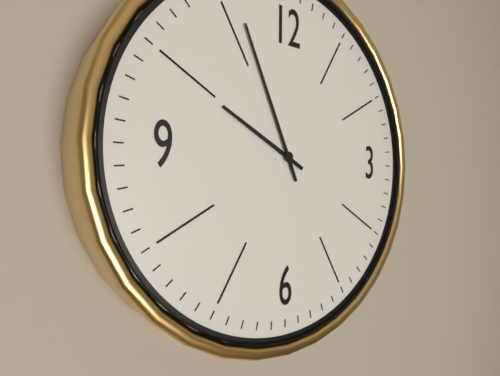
**9:56**
